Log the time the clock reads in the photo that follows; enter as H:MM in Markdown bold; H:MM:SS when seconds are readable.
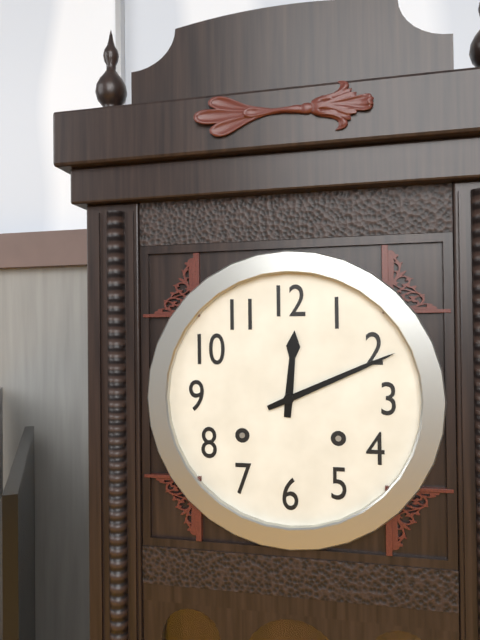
**12:11**
